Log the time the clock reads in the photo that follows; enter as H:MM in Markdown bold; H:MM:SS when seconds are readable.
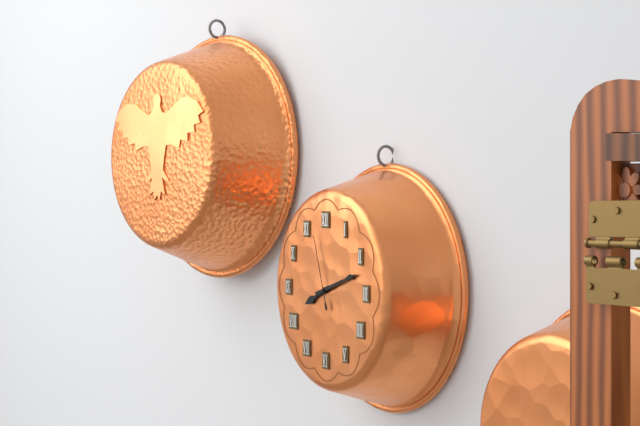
**8:12:57**
